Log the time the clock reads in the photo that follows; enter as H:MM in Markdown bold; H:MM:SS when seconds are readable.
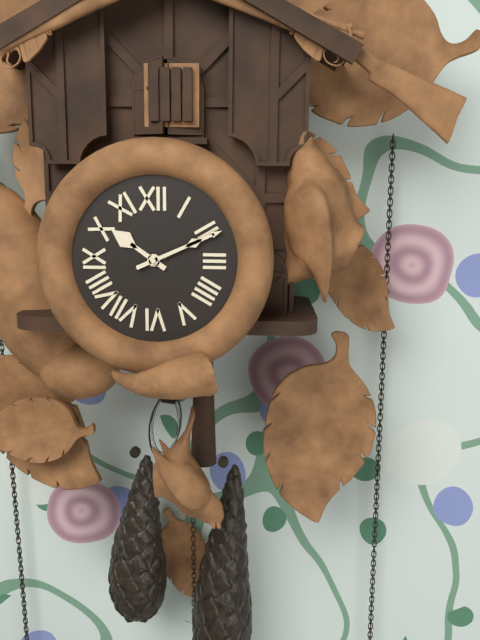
**10:11**
